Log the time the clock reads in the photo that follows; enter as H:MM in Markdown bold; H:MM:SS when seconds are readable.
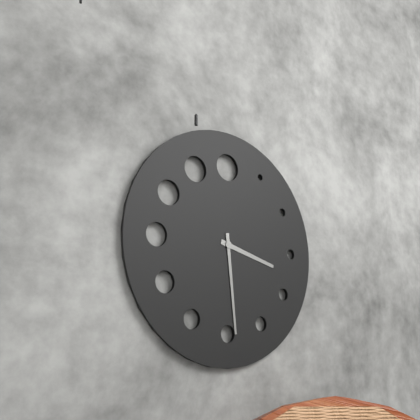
**3:29**
